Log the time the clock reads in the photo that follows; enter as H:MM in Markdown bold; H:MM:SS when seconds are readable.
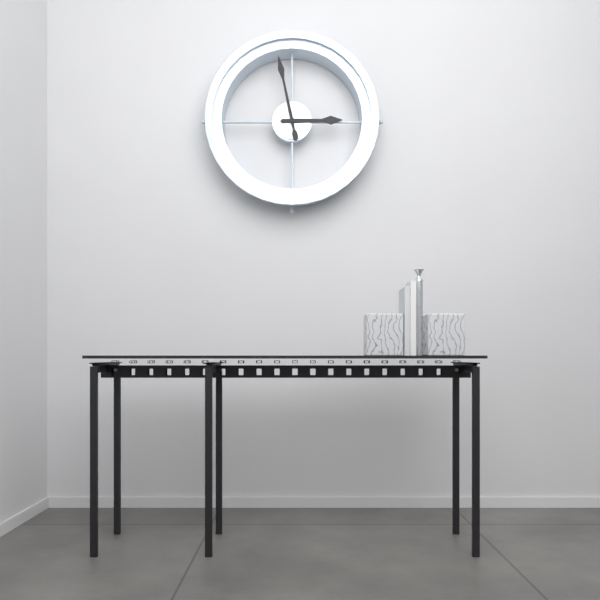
**2:58**
